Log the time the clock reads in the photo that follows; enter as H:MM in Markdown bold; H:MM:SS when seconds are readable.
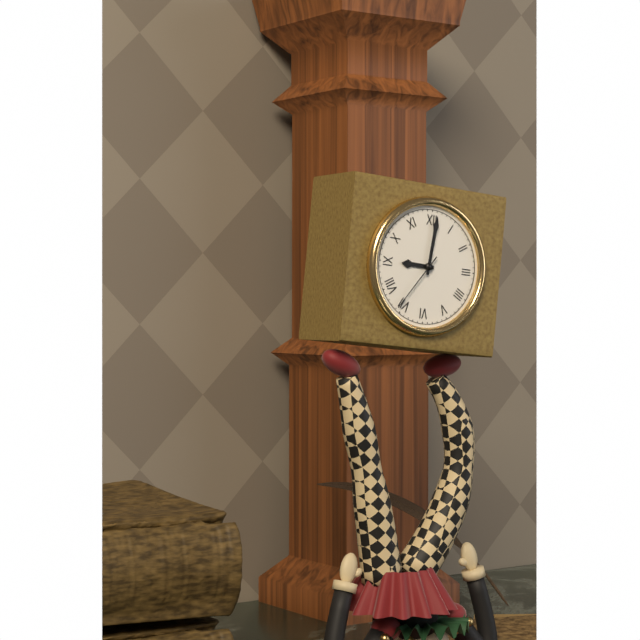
**9:01:36**
